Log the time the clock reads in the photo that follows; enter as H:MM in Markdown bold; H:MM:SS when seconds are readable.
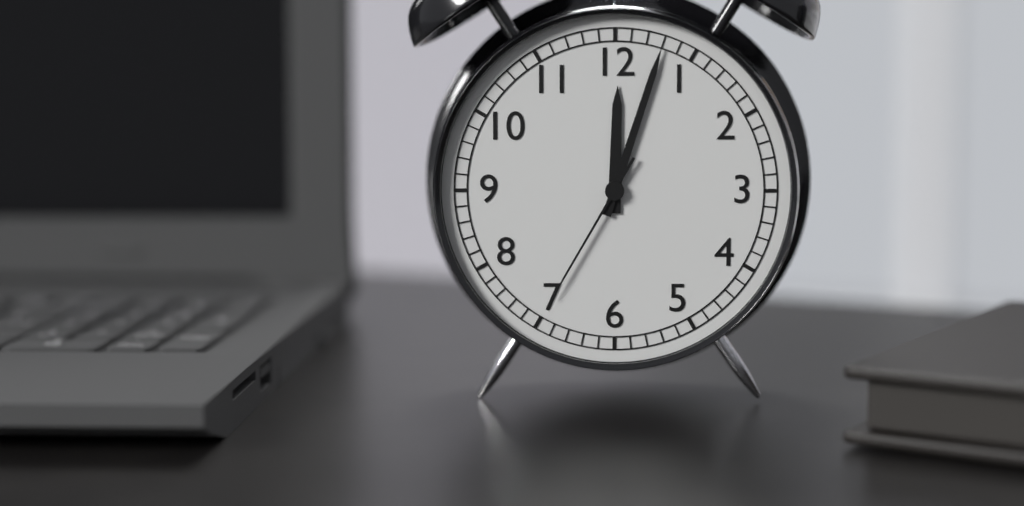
**12:03:35**
